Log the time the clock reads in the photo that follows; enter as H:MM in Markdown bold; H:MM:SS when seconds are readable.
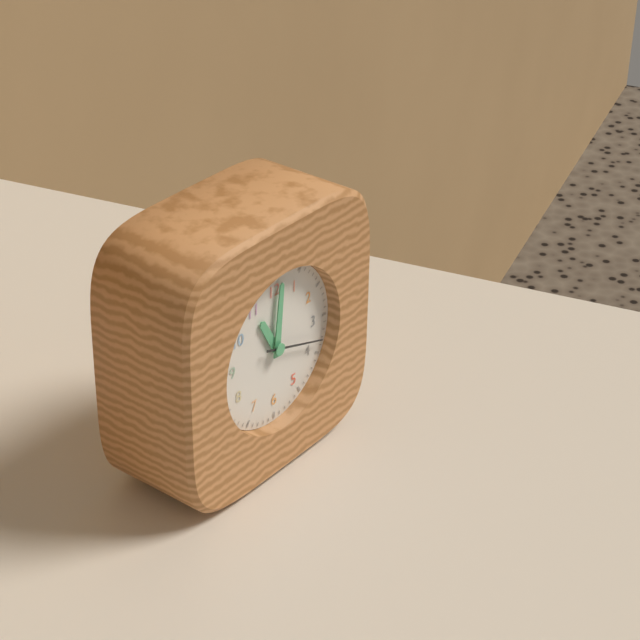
**11:01:18**
